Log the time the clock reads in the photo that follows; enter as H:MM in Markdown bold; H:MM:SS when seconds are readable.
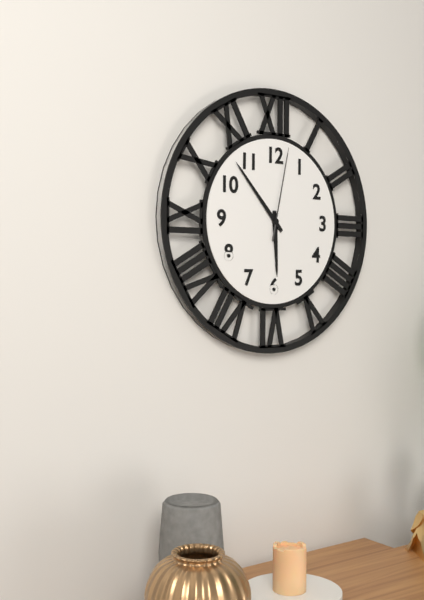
**5:53:02**
